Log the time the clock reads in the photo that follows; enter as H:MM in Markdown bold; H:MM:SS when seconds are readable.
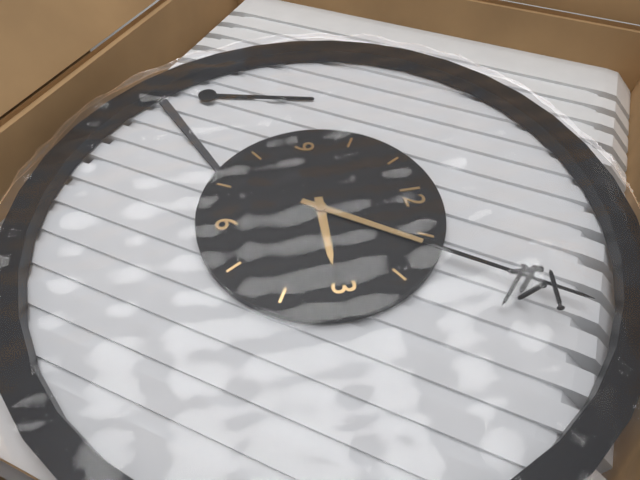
**3:06**
